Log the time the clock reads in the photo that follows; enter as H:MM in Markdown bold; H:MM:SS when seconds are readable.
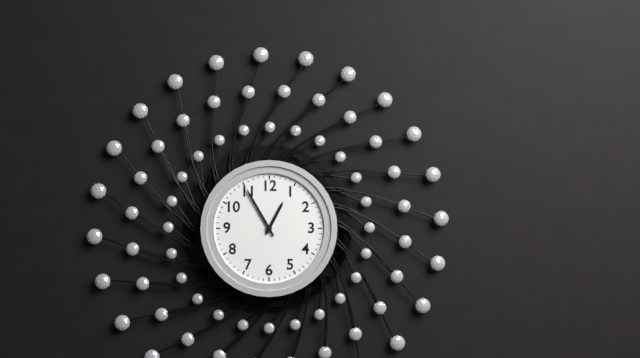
**12:55**
